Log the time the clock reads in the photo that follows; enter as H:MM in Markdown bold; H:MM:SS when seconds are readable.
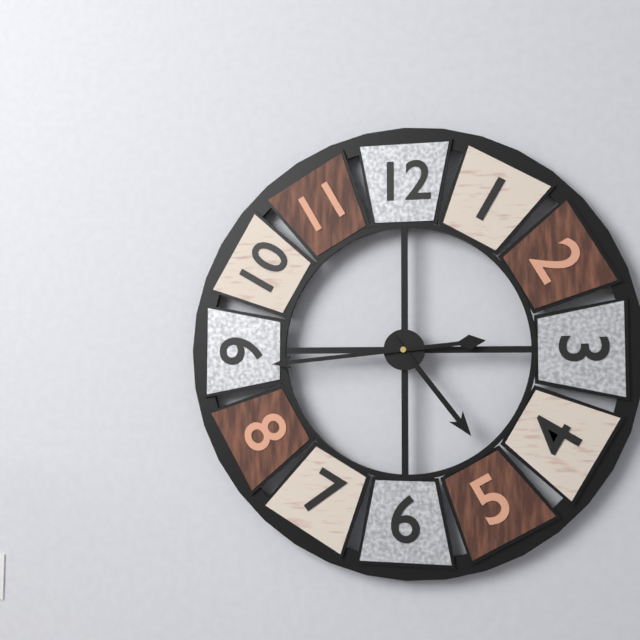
**4:44**
